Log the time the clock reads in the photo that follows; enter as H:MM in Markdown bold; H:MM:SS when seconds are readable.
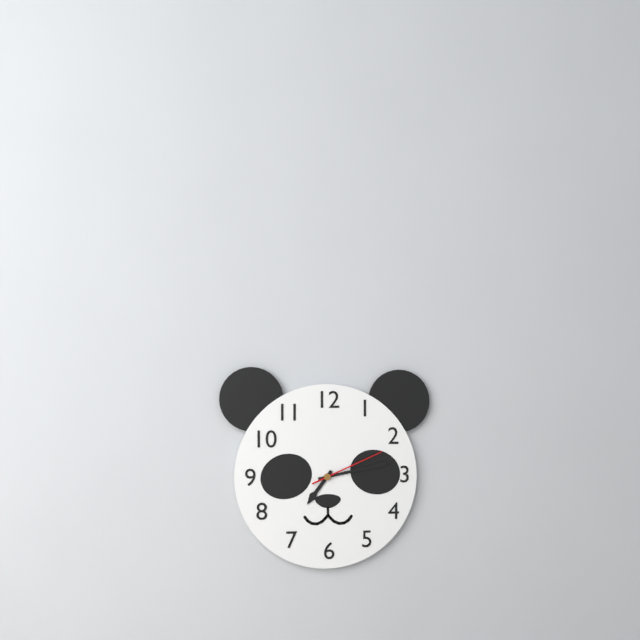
**7:13:11**
